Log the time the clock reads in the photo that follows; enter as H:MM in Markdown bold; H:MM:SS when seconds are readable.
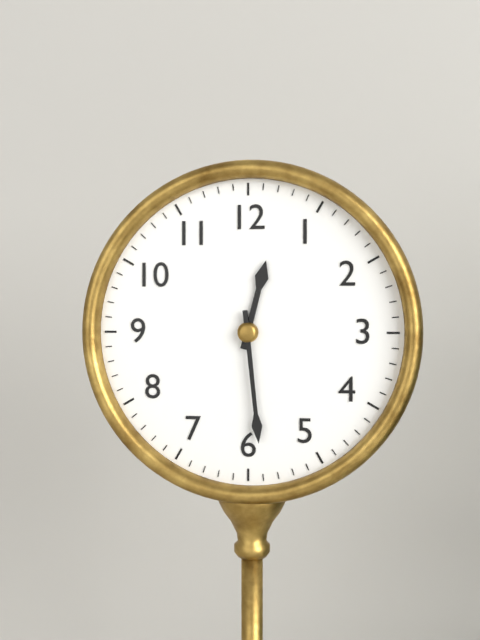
**12:29**
